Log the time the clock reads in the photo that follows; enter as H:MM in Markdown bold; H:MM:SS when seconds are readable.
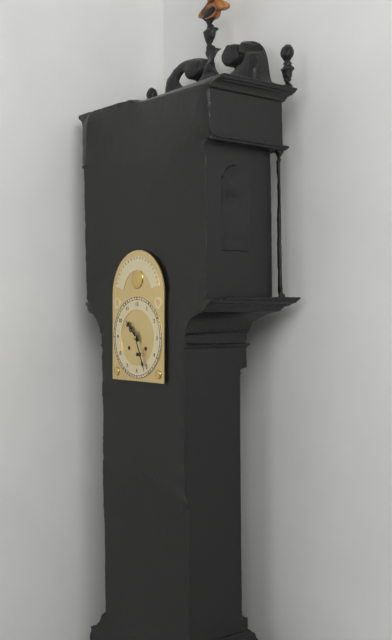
**10:26**
